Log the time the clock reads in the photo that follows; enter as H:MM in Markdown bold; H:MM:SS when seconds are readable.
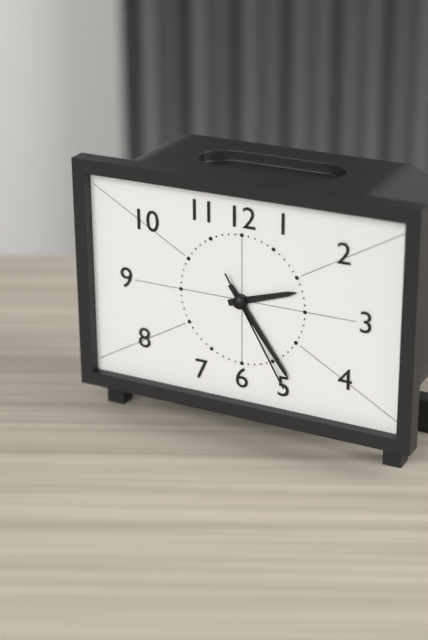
**2:24:25**
